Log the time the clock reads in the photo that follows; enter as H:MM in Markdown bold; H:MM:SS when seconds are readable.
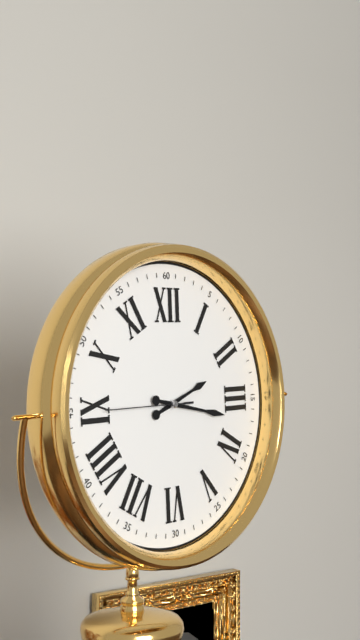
**2:17:45**
